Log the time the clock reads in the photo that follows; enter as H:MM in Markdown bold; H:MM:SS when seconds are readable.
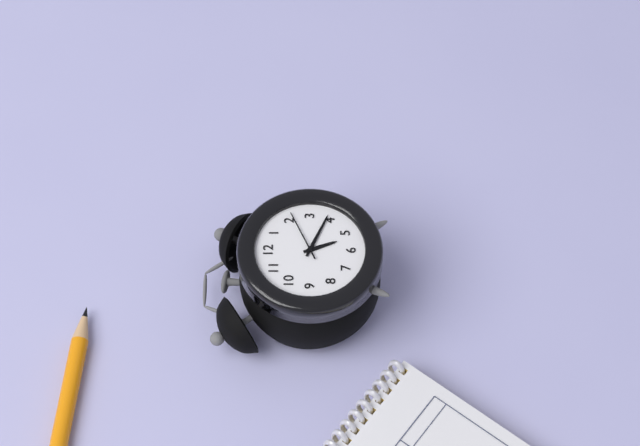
**5:19:11**
